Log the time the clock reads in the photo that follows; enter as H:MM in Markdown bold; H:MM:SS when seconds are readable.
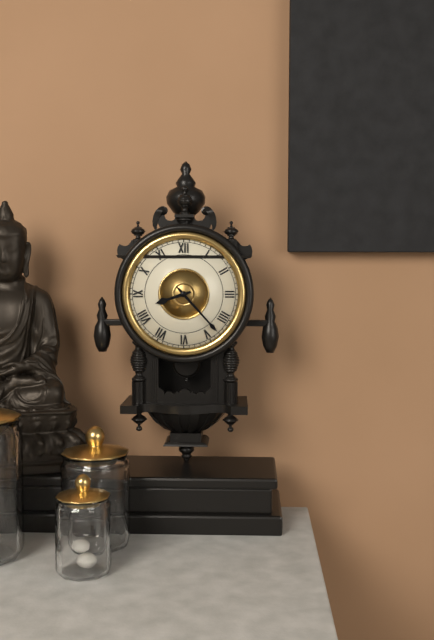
**8:23**
